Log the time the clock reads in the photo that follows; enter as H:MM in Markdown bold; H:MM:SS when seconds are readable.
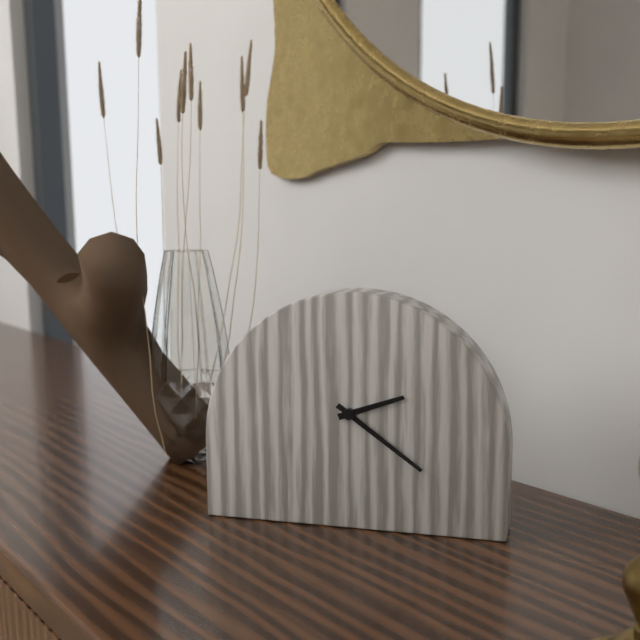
**2:21**
